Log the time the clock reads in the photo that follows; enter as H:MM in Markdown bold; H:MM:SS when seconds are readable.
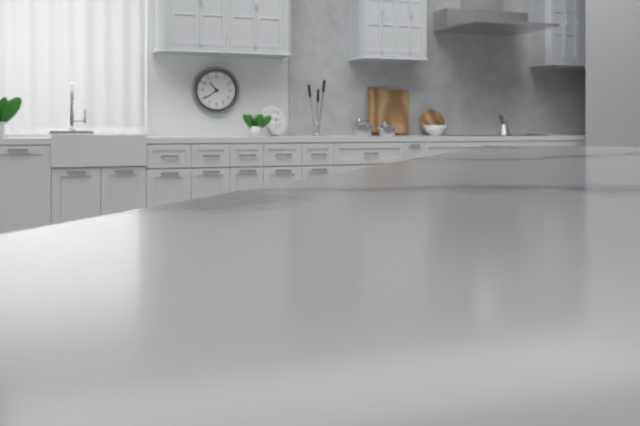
**10:39**
